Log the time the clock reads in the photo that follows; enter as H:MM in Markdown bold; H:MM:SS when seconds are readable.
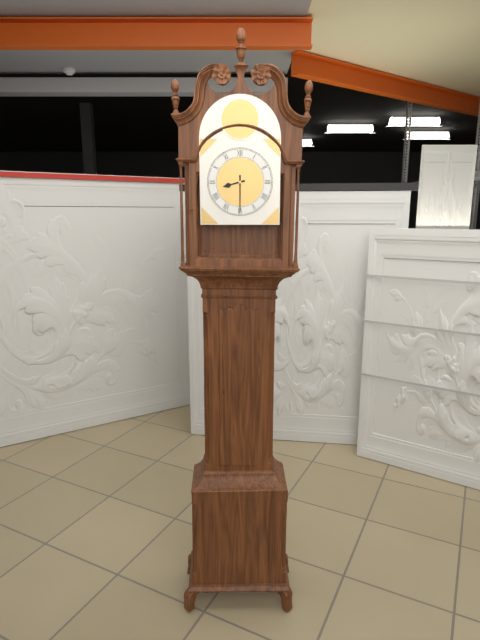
**8:30**
